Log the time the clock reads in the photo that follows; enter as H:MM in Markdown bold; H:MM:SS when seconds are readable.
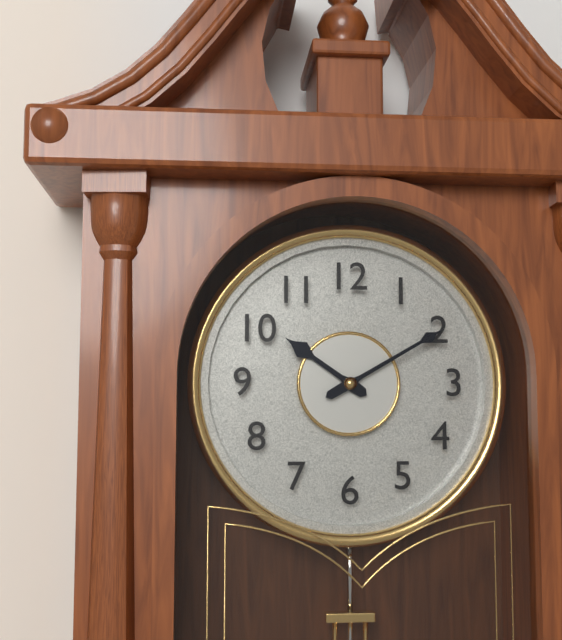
**10:10**
